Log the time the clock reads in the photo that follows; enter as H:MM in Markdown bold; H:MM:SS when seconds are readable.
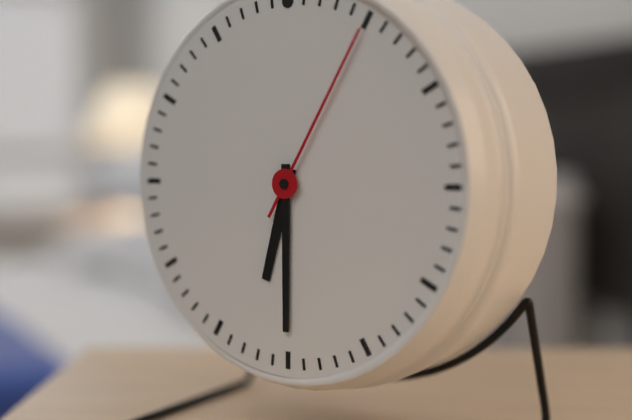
**6:30:05**
